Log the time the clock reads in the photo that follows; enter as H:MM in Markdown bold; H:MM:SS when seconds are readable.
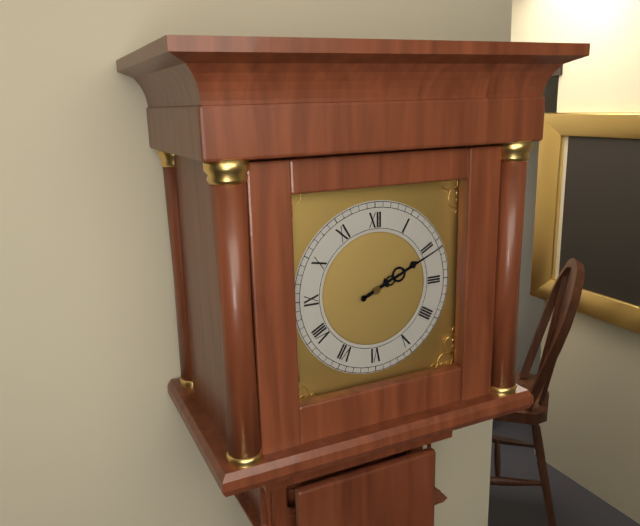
**2:11**
